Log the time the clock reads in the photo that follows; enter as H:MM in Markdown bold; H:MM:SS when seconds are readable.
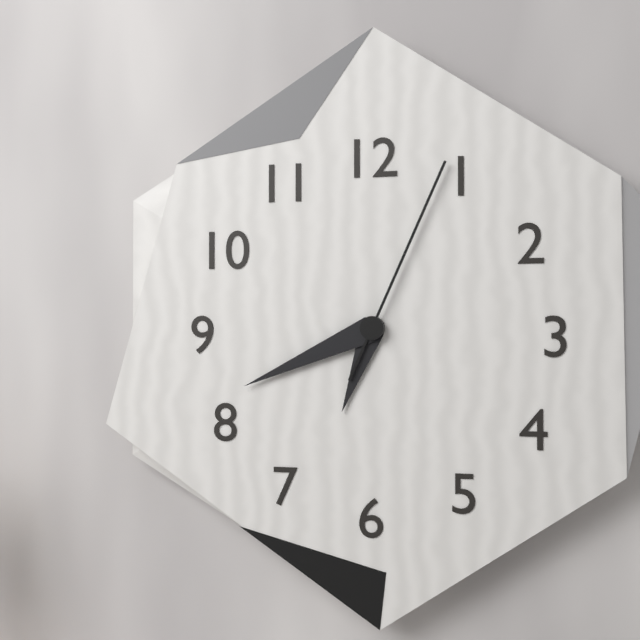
**6:41:04**
